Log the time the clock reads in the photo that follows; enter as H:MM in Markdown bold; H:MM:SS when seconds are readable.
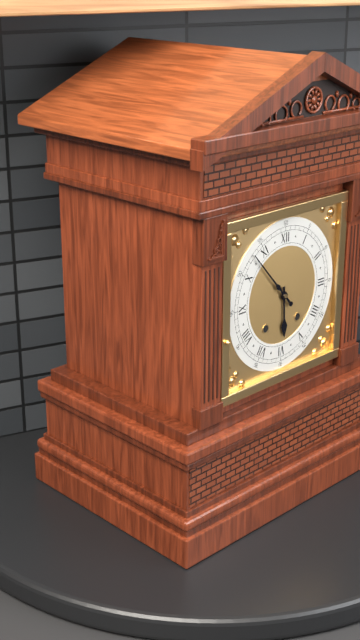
**5:53**
